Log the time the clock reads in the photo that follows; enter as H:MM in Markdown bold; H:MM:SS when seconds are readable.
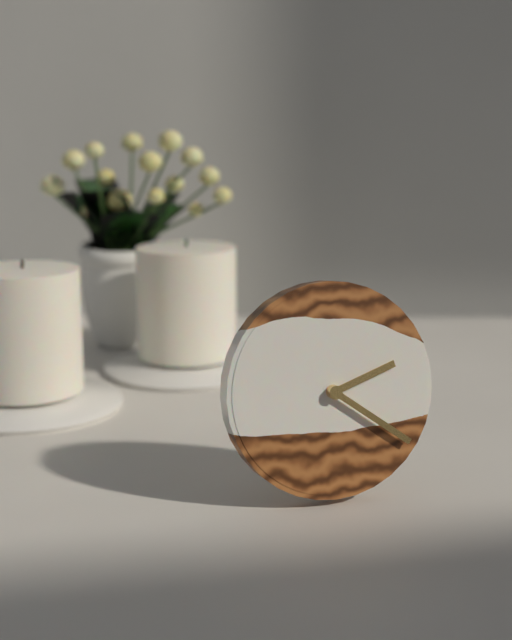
**2:21**
